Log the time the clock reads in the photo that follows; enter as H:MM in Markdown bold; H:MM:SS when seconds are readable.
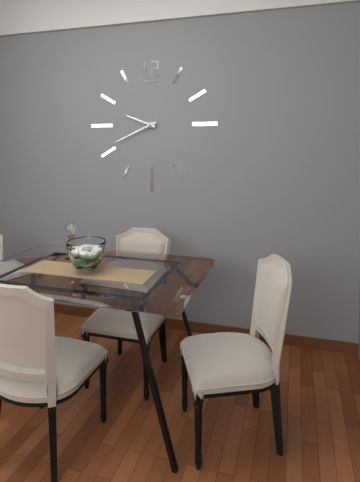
**9:41**
